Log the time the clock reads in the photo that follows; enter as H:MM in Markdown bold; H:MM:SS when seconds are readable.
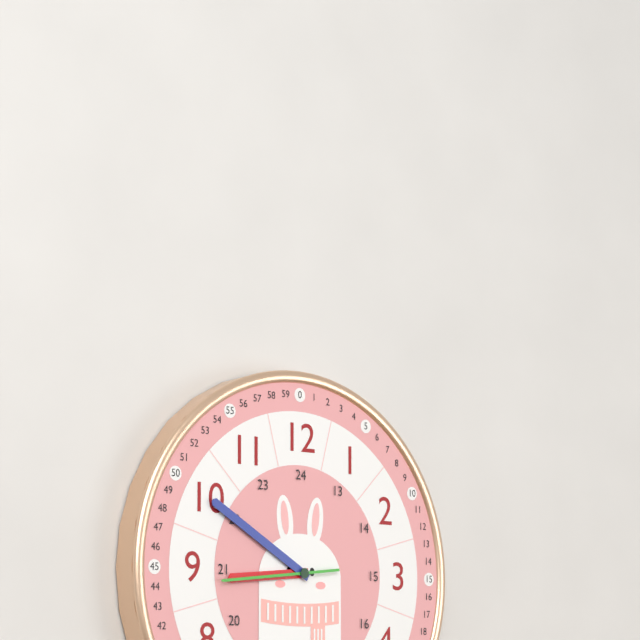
**8:50:44**
